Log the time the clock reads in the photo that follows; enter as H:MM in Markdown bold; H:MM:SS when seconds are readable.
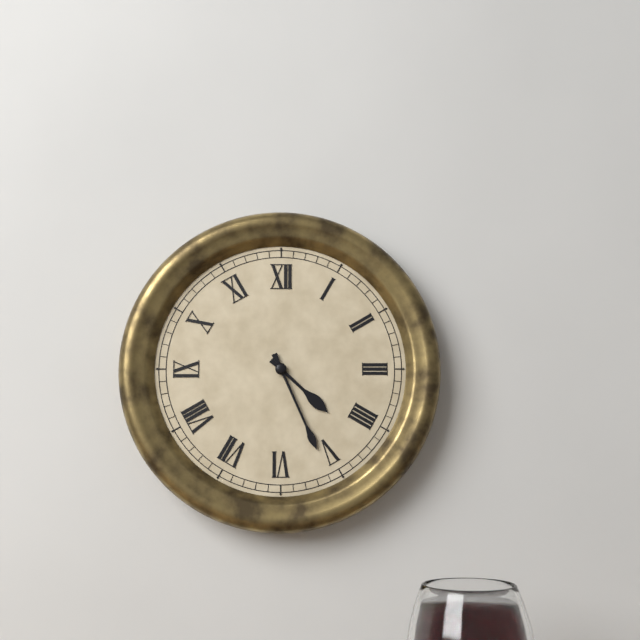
**4:26**
